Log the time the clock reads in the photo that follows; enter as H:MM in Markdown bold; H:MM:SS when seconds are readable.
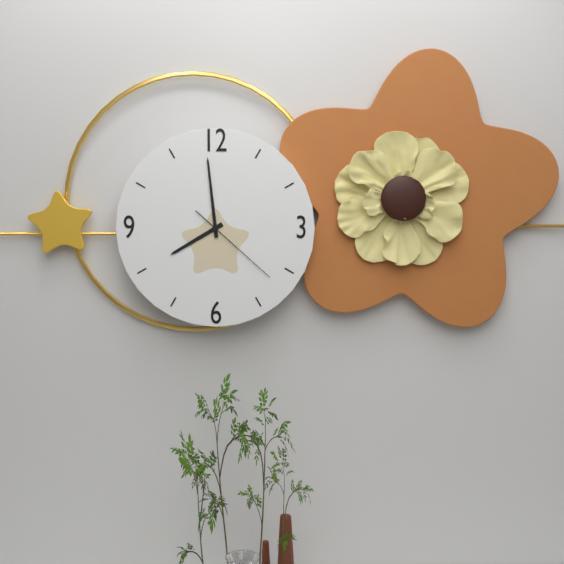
**7:59:22**
